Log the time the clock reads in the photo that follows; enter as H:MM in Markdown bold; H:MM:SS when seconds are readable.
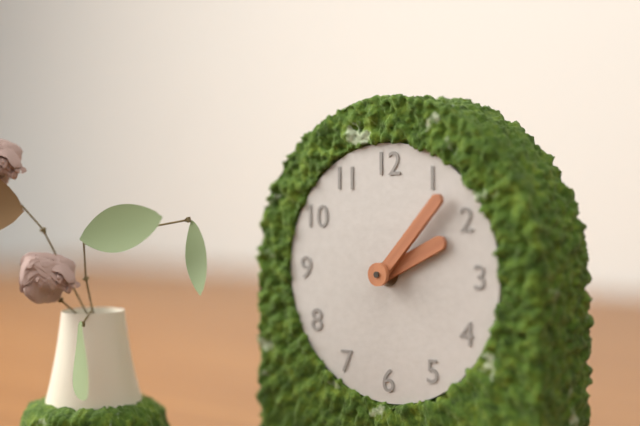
**2:07**
